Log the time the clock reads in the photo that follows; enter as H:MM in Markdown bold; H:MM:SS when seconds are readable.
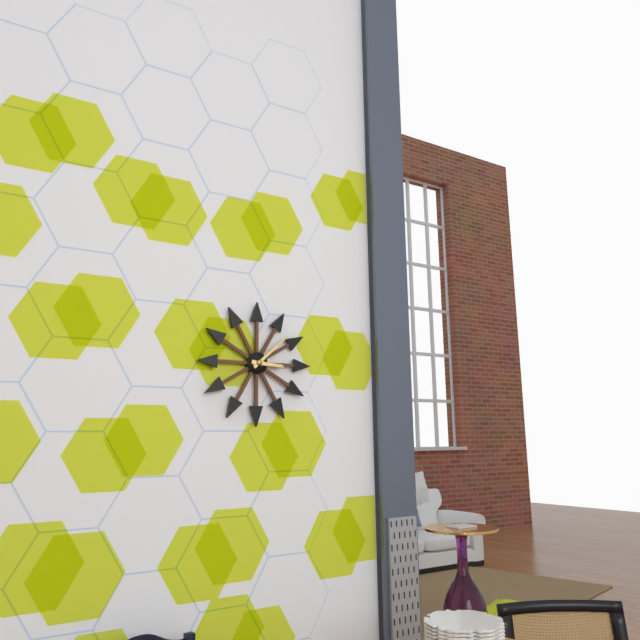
**3:08**
